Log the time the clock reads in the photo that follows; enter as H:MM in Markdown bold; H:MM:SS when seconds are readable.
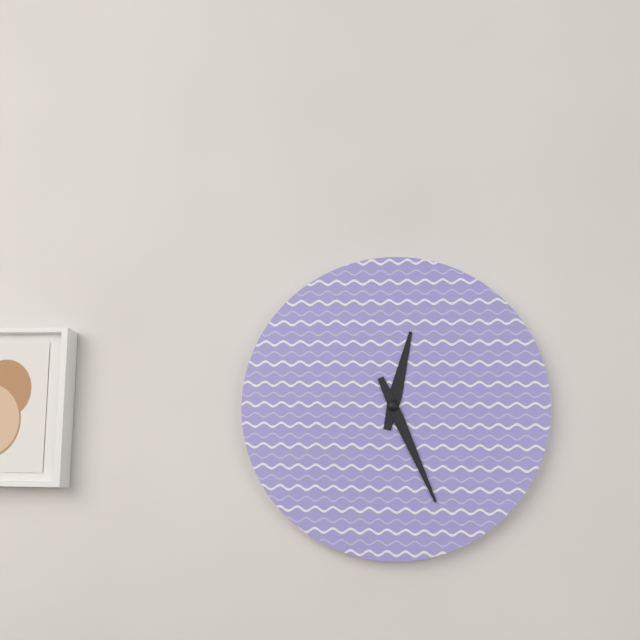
**12:26**
